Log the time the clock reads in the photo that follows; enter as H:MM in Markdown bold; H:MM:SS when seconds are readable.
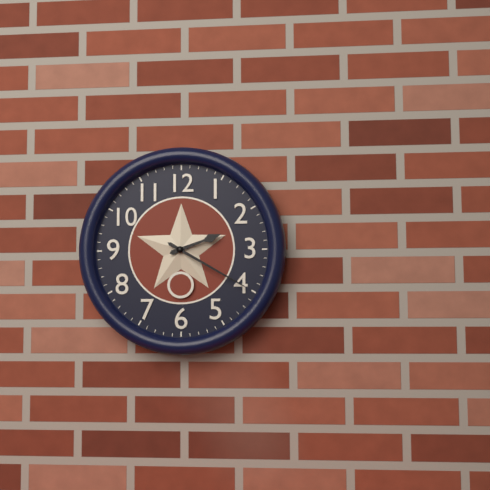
**2:20**
